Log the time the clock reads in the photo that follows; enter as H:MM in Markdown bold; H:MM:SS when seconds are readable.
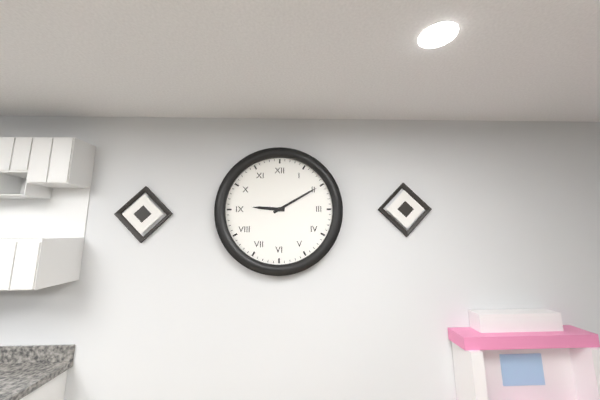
**9:10**
